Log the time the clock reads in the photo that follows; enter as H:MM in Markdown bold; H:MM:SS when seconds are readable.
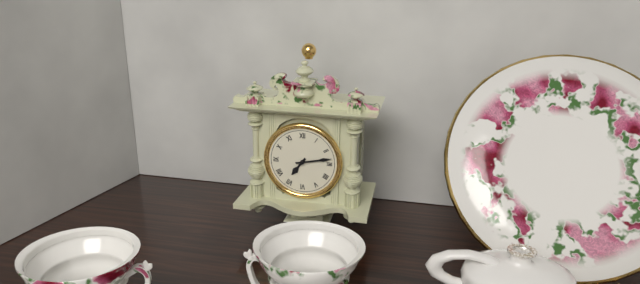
**7:13**
